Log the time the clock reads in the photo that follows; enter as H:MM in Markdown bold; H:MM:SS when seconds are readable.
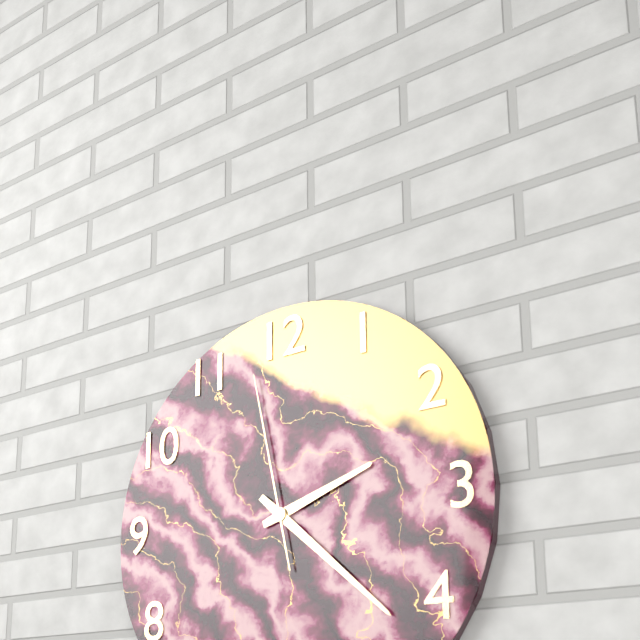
**2:22:58**
